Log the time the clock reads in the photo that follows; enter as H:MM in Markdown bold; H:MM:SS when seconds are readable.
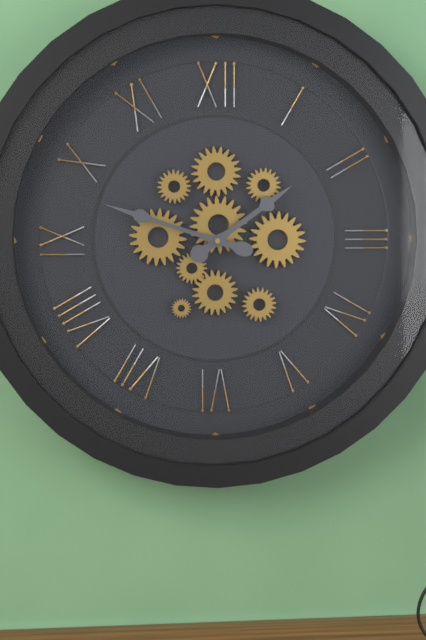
**1:48**
